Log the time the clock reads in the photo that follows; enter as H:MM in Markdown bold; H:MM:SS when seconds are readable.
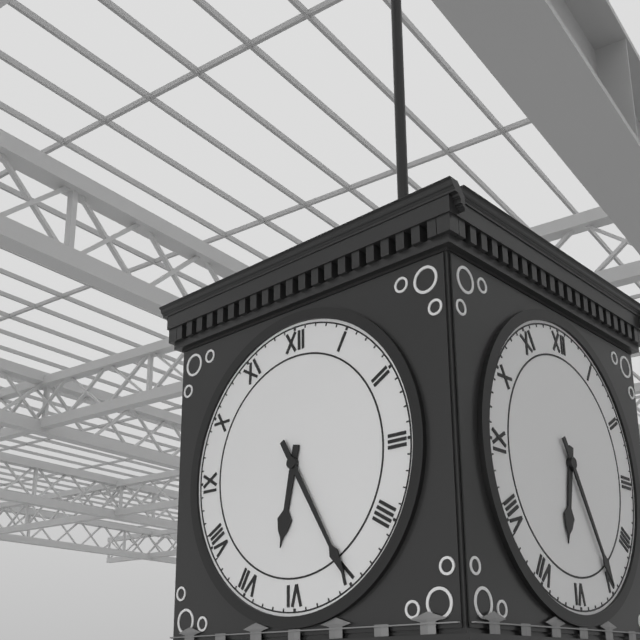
**6:25**
